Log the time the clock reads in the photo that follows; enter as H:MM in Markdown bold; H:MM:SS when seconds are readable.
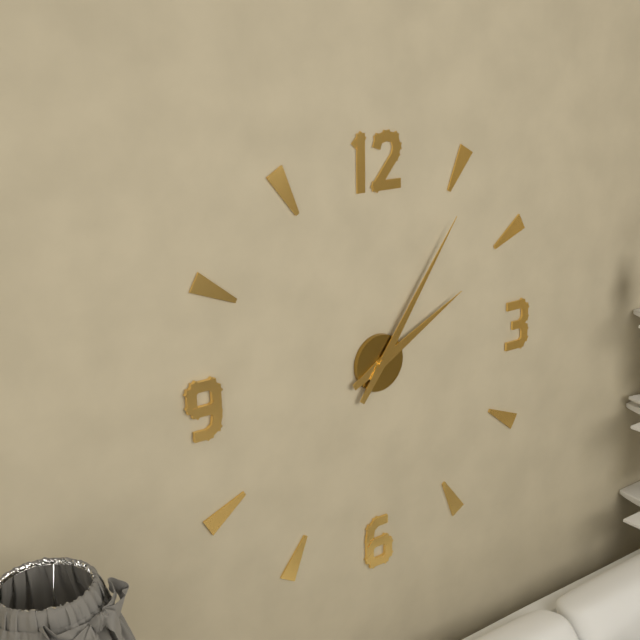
**2:06**
